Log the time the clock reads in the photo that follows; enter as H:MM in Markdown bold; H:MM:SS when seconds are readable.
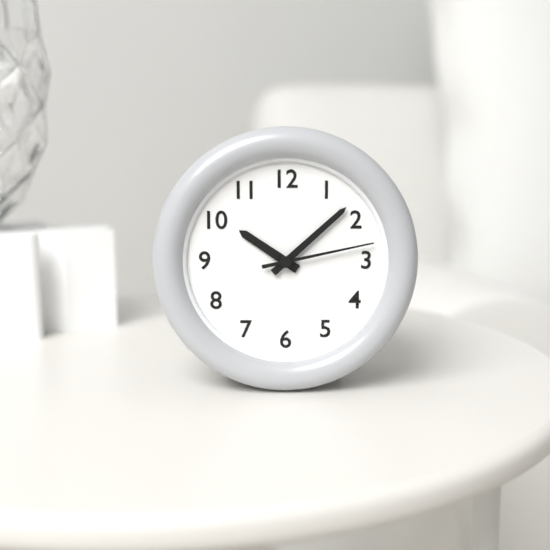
**10:08:13**
